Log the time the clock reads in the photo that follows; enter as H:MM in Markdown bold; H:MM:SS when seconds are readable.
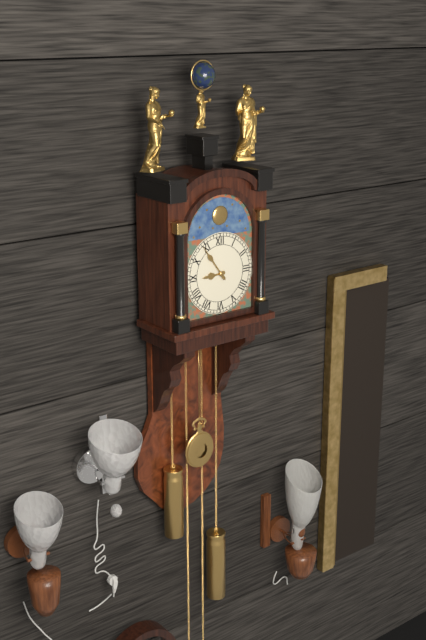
**8:54**
